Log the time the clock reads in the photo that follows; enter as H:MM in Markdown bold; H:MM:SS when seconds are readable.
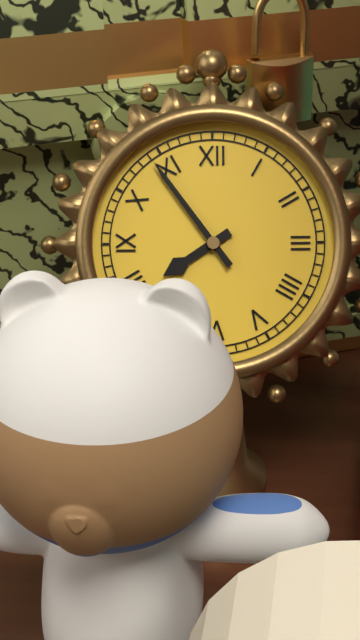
**7:54**
